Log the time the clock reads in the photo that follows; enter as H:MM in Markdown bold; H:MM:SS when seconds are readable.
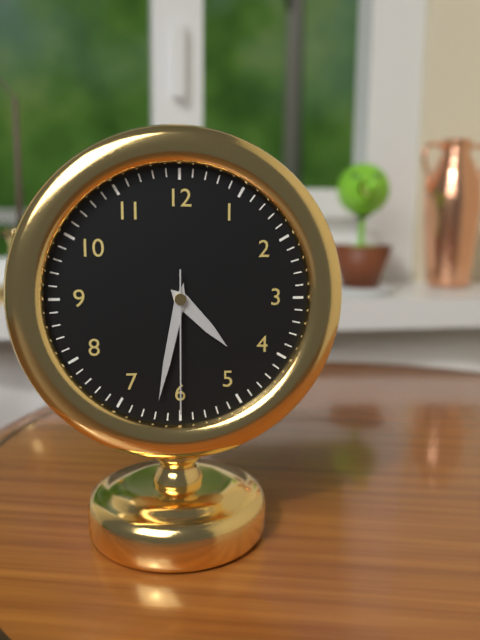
**4:32:30**
